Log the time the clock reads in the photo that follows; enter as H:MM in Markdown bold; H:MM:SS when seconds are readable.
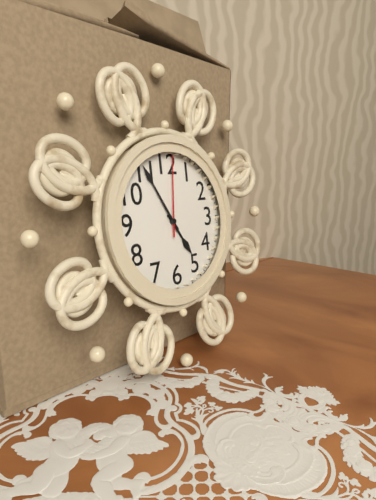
**4:55:01**
